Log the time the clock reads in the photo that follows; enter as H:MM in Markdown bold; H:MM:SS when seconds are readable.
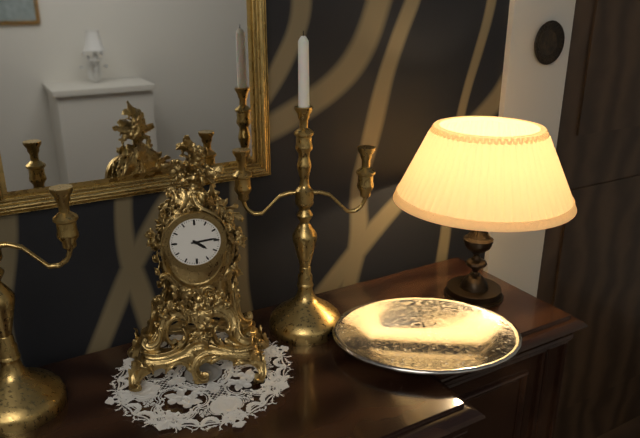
**4:14**
